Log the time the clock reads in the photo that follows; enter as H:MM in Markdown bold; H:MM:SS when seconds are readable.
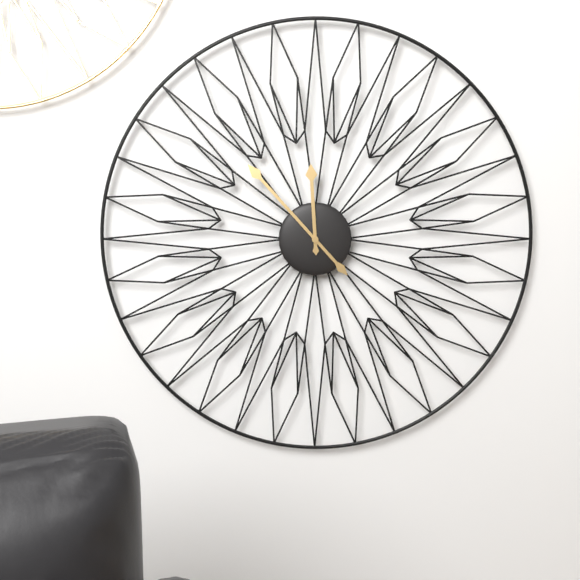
**11:53**
